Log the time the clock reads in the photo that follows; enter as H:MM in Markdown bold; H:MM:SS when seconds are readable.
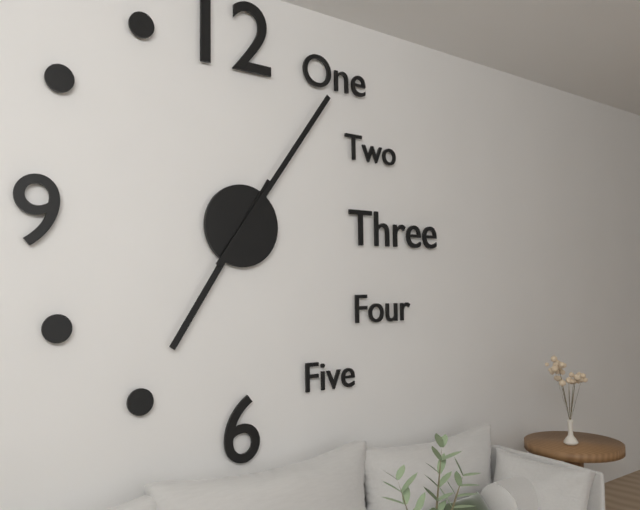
**7:06**
